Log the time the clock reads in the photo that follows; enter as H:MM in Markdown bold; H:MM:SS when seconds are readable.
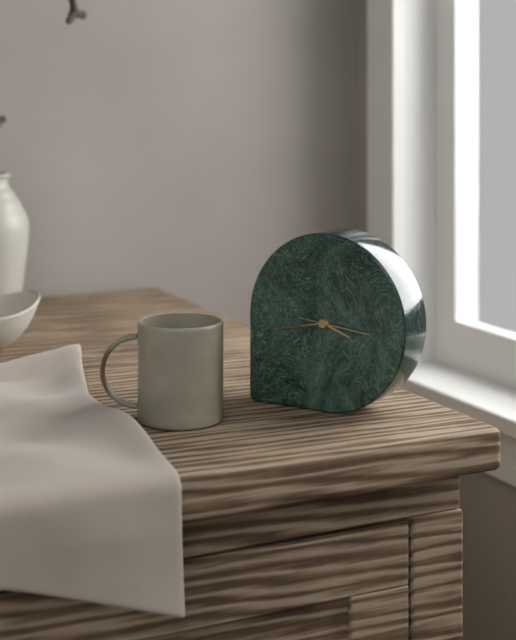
**3:43:16**
